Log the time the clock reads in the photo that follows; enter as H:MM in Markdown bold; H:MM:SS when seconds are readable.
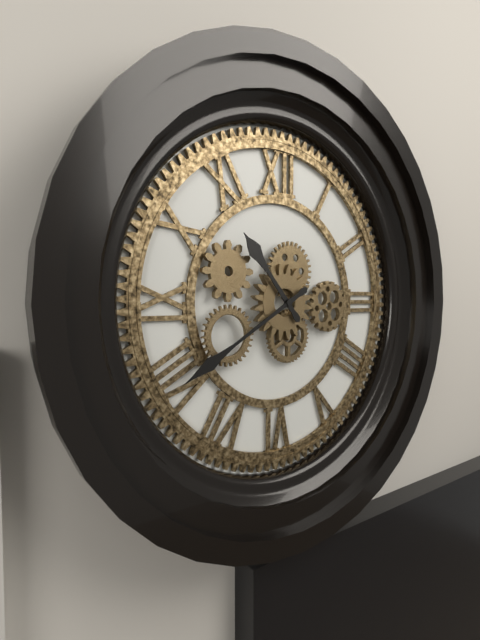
**10:40**
